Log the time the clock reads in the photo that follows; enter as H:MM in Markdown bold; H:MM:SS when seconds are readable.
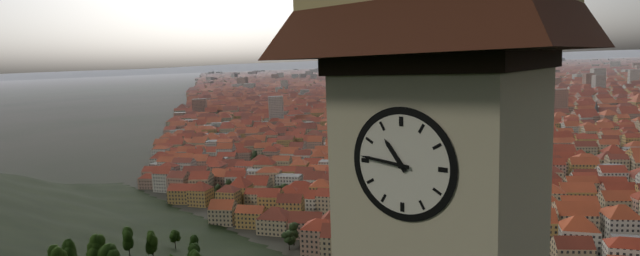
**10:46**
